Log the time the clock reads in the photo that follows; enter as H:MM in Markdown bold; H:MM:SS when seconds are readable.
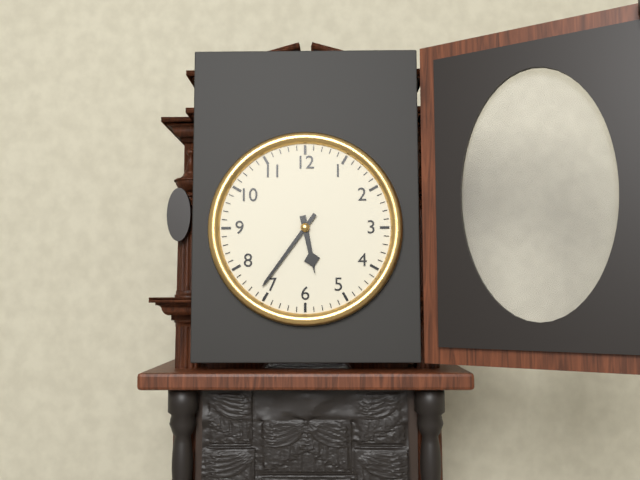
**5:36**
